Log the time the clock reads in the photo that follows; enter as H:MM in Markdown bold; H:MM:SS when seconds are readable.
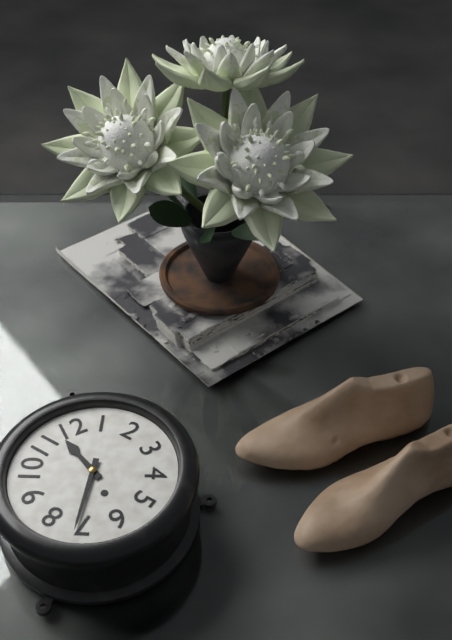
**11:36**
